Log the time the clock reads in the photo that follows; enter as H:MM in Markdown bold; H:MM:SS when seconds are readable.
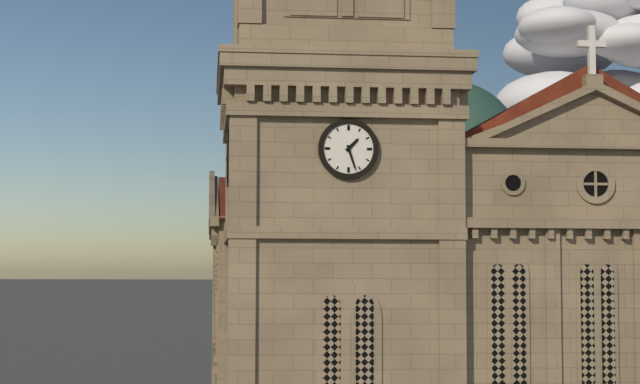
**1:27**
